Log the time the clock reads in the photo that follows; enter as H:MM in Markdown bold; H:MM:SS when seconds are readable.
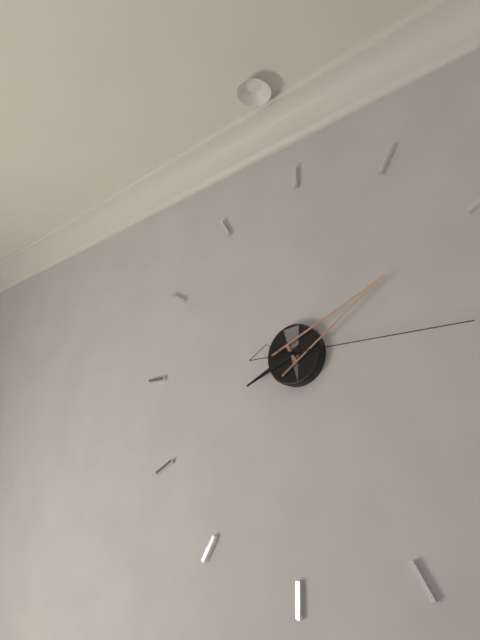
**8:10:15**
